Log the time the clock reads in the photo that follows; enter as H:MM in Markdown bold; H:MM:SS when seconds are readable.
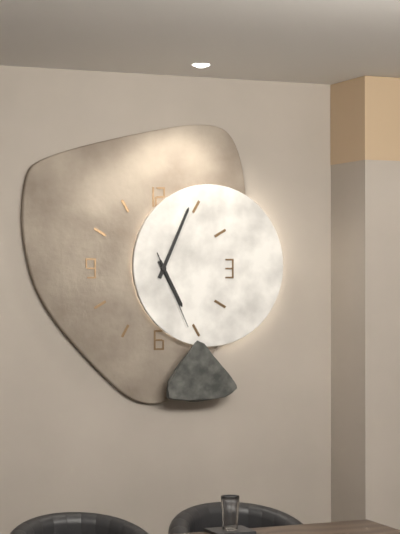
**5:04:26**
